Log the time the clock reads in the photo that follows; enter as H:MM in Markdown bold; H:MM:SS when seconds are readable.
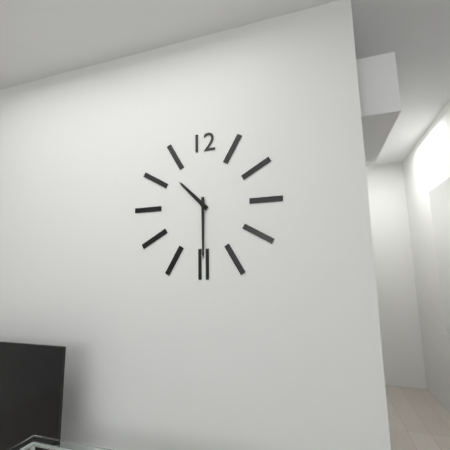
**10:30**
